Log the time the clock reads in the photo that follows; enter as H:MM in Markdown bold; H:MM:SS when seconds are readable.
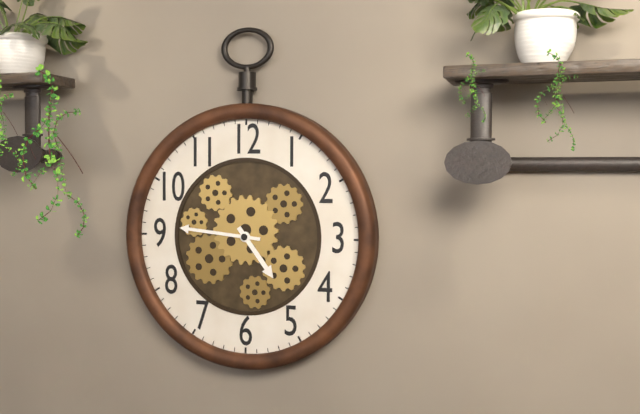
**4:46**
